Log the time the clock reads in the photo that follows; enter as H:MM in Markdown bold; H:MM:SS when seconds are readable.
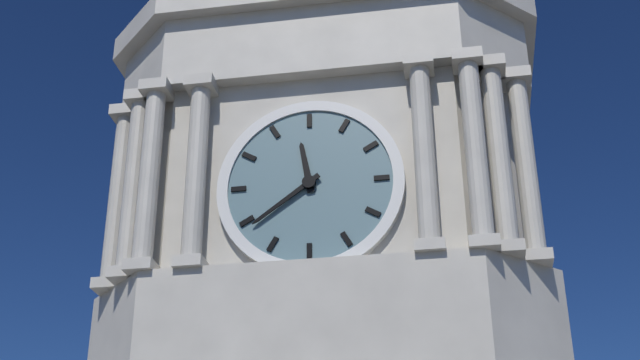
**11:39**
